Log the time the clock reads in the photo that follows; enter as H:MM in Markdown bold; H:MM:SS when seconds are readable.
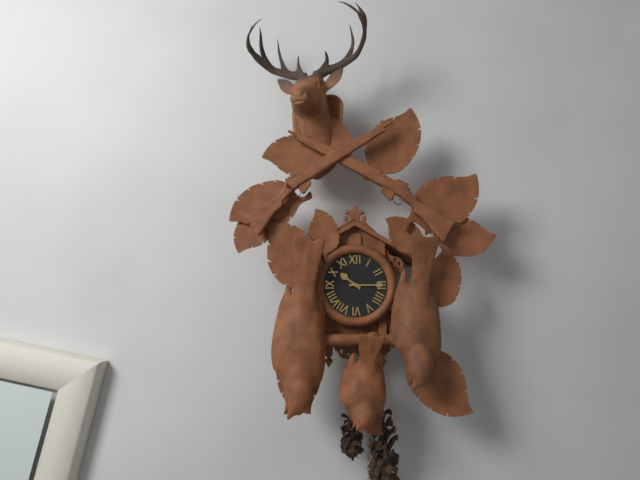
**10:15**
